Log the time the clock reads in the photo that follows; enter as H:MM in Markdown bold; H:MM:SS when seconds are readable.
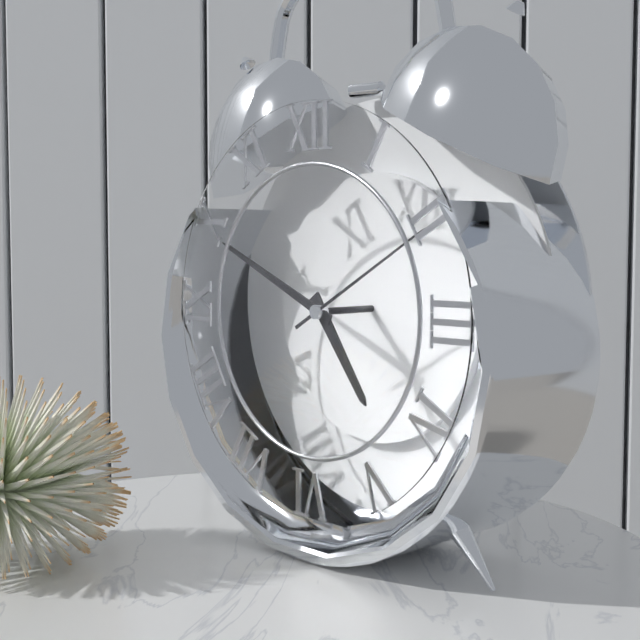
**4:49:10**
